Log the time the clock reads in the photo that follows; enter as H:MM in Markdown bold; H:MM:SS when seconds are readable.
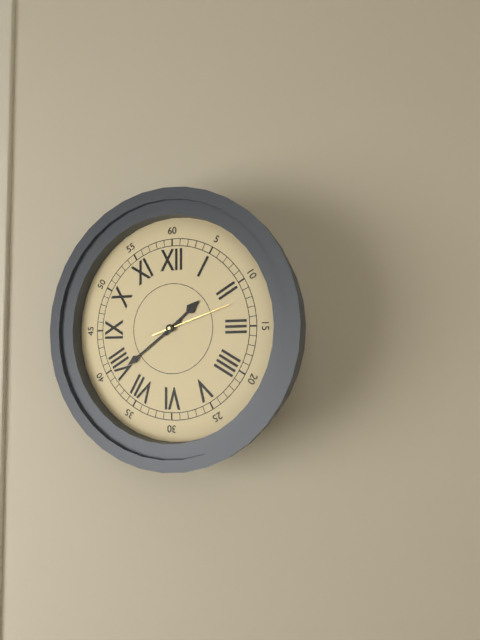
**1:39:12**
